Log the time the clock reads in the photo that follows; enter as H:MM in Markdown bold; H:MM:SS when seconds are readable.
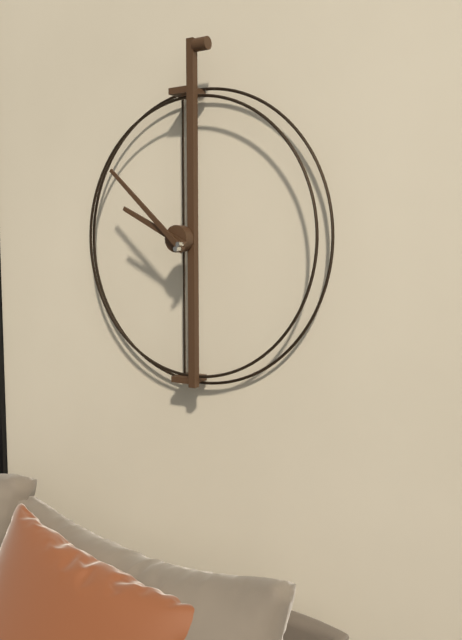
**9:52**
